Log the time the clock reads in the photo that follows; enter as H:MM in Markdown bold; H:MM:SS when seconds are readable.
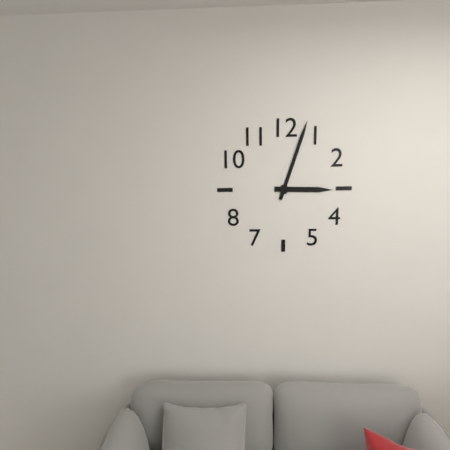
**3:03**
